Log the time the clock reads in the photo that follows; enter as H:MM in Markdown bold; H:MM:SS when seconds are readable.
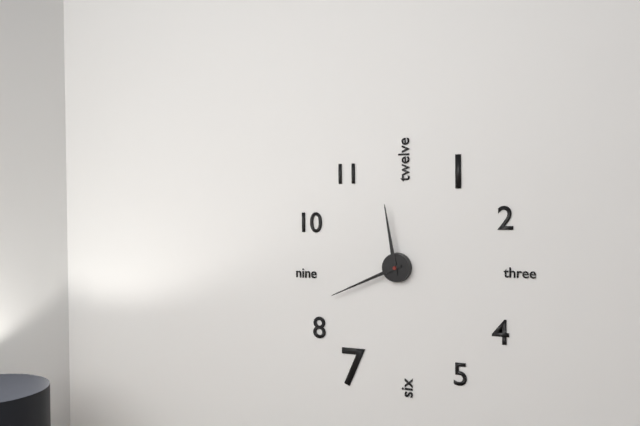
**11:41**
